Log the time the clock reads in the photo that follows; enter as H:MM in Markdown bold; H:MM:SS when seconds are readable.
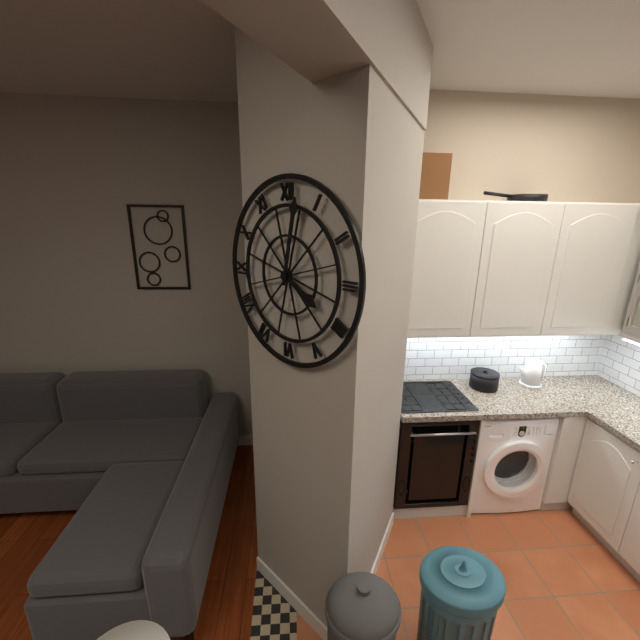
**4:02**
